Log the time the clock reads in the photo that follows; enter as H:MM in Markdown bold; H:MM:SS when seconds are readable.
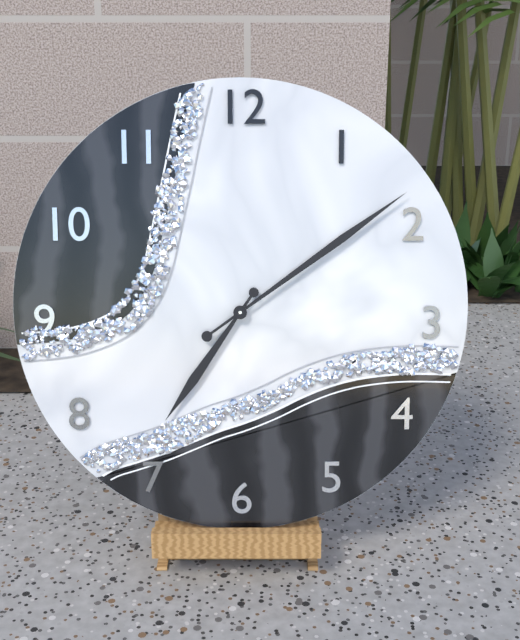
**7:09**
